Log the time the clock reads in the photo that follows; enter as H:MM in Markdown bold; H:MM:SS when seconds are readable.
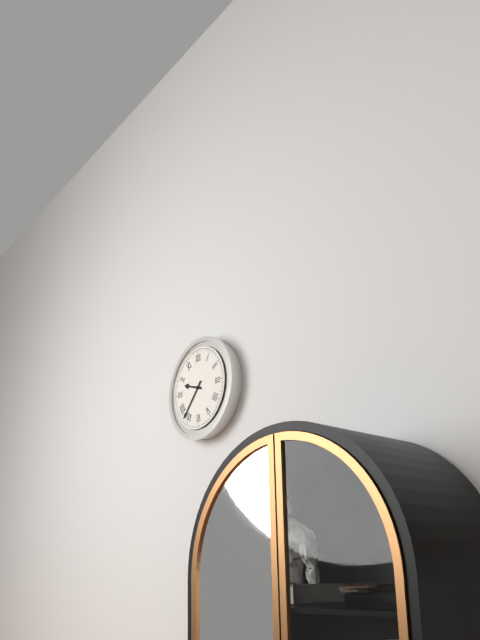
**9:37**
